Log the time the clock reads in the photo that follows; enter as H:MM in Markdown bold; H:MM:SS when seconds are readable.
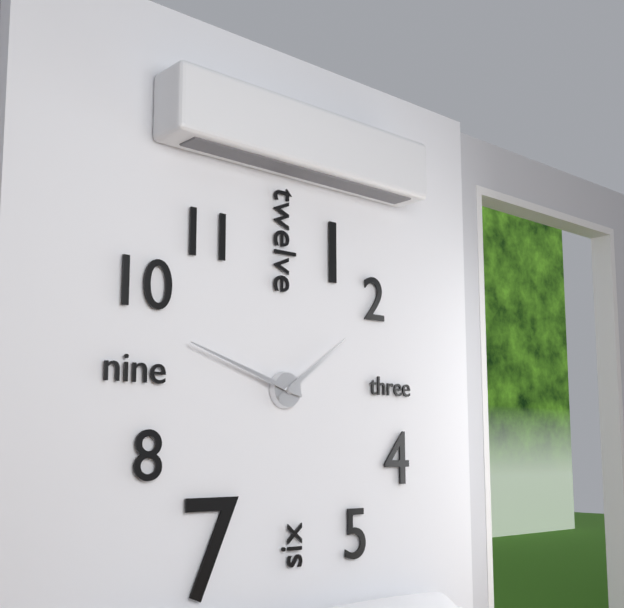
**1:48**
